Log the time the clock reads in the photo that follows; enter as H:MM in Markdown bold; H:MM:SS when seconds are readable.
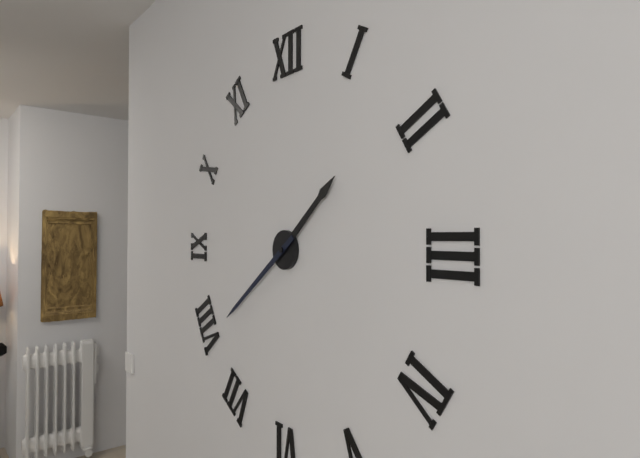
**1:39**
